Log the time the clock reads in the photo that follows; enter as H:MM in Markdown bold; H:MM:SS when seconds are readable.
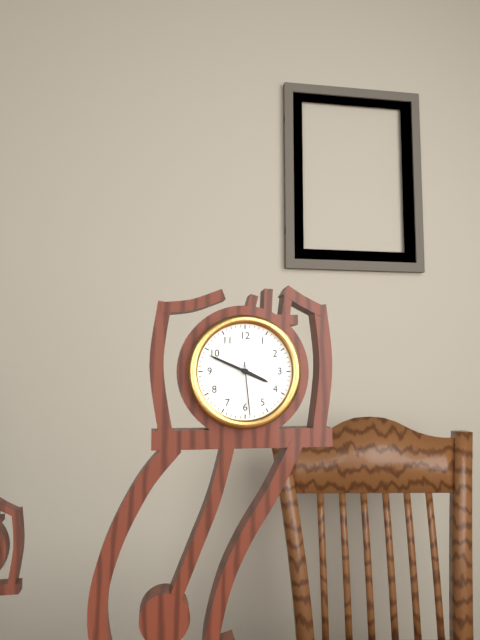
**3:49:29**
